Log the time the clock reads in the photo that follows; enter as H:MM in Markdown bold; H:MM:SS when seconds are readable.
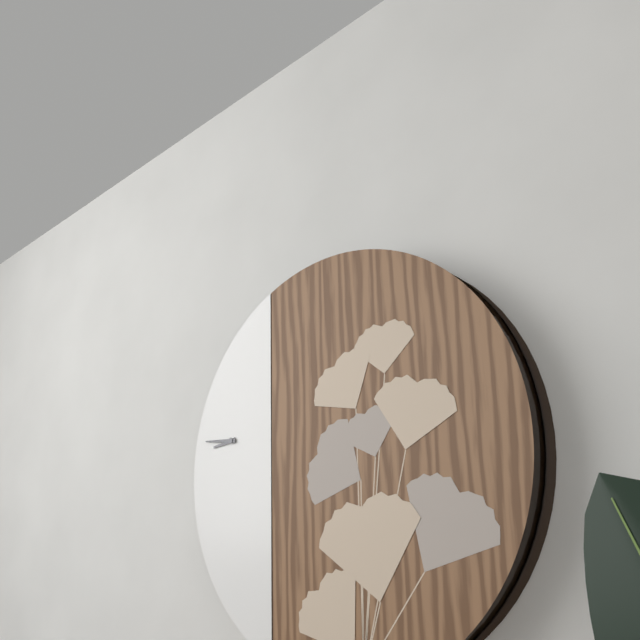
**8:46**
